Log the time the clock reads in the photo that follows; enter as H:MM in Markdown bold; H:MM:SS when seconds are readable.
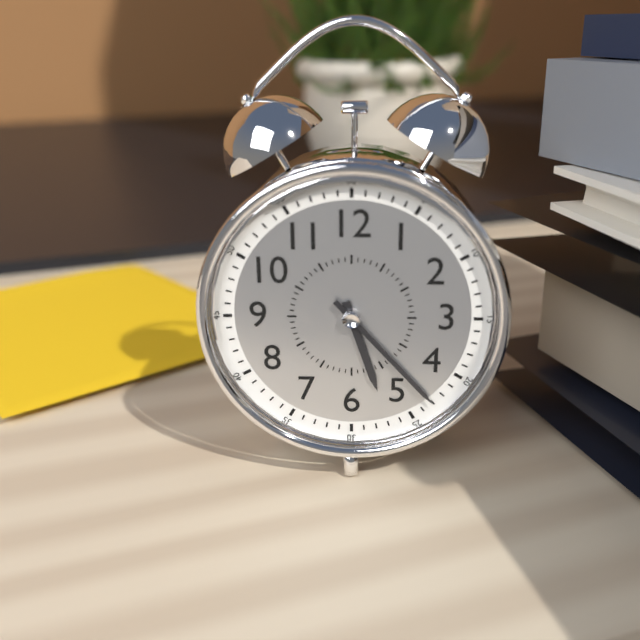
**5:23**
